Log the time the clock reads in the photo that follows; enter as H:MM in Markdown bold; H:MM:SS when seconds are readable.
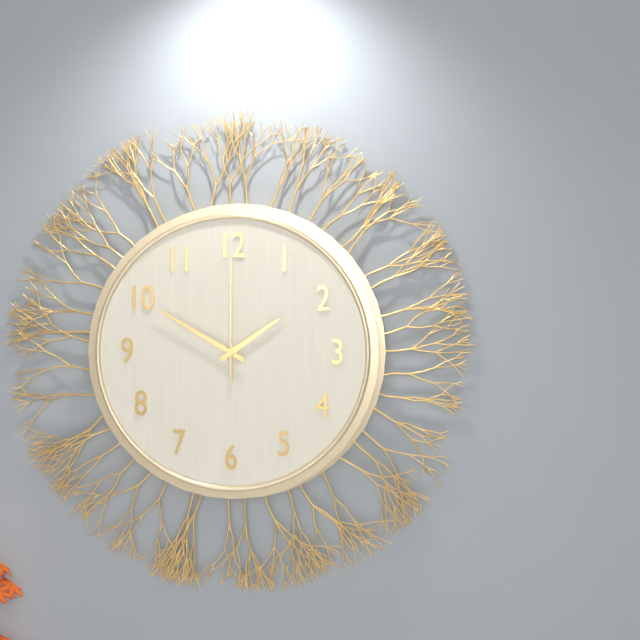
**1:50:00**
